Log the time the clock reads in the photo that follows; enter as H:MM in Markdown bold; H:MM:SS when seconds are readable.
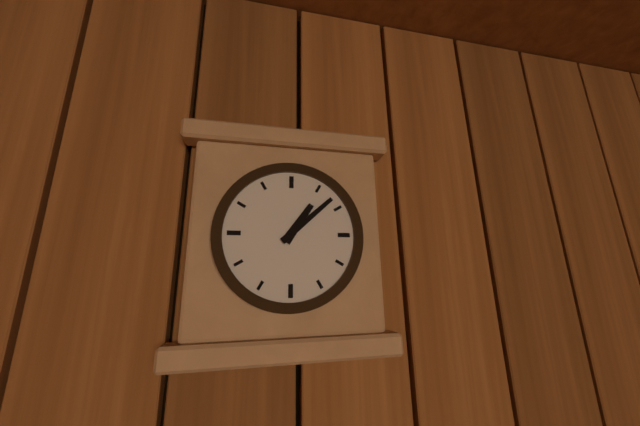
**1:08**
